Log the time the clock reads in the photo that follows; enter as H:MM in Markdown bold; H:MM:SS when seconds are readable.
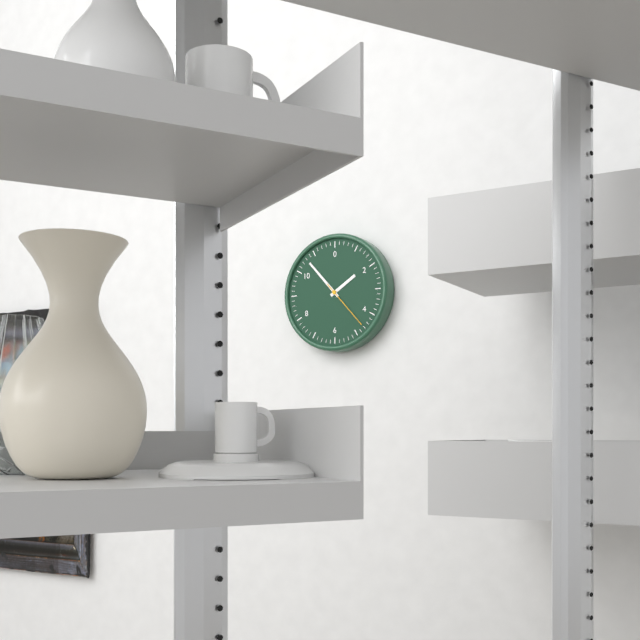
**1:53:23**
